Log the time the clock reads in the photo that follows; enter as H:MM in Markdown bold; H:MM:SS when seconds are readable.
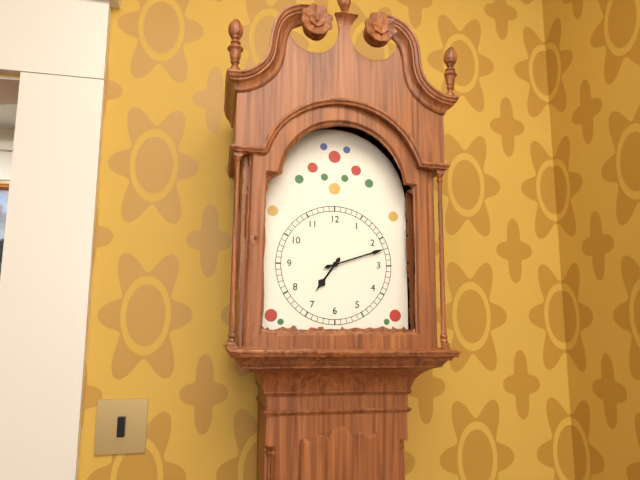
**7:12**
